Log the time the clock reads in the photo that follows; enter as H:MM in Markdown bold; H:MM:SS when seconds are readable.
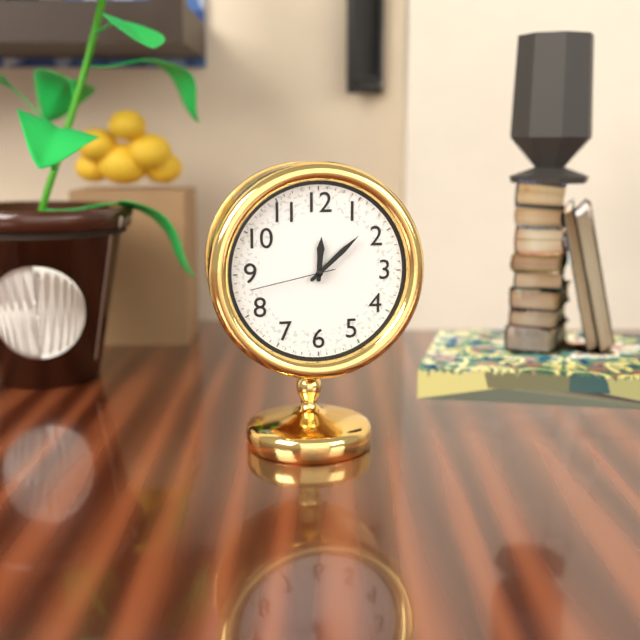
**12:08:43**
